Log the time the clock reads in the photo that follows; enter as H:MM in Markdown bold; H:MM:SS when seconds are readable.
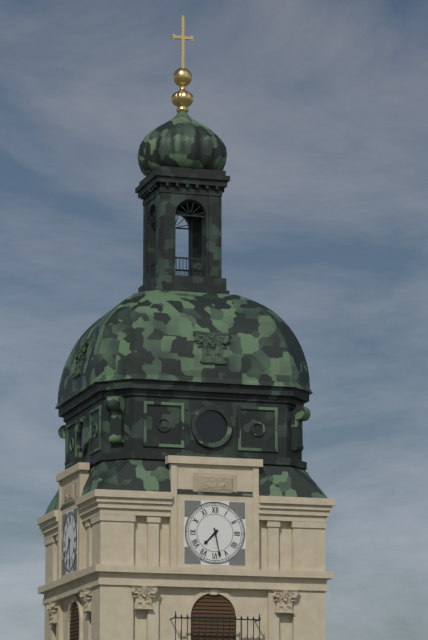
**7:28**
